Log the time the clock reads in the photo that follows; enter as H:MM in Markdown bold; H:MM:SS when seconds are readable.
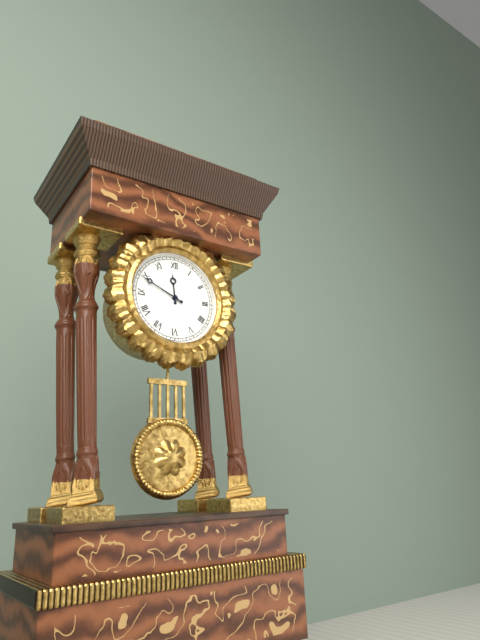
**11:49**
